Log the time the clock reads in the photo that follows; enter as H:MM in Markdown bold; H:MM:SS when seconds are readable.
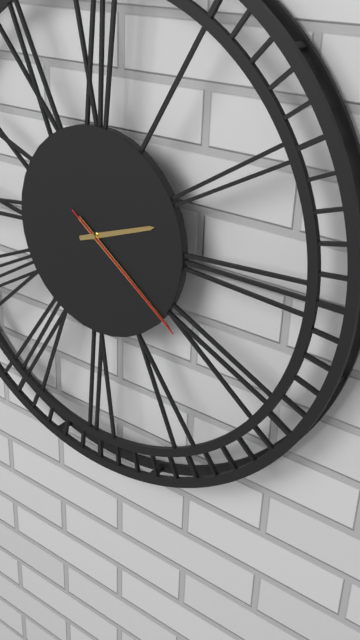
**2:21:21**
